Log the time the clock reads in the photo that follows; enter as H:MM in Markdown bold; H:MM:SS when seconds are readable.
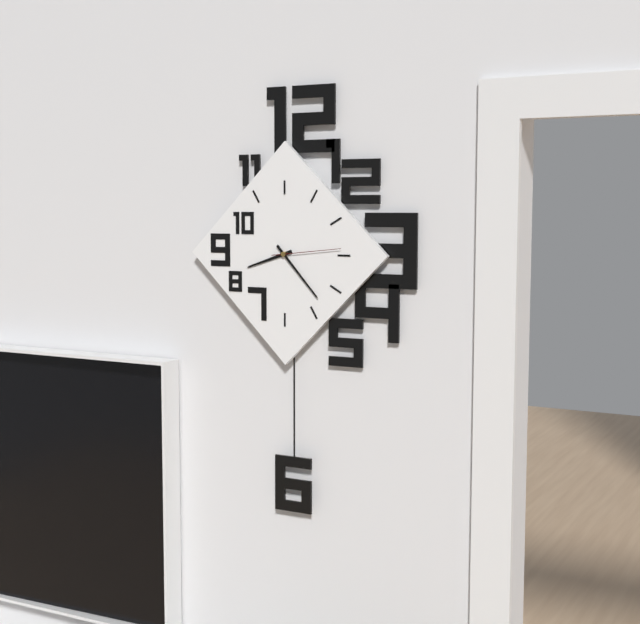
**8:23:14**
